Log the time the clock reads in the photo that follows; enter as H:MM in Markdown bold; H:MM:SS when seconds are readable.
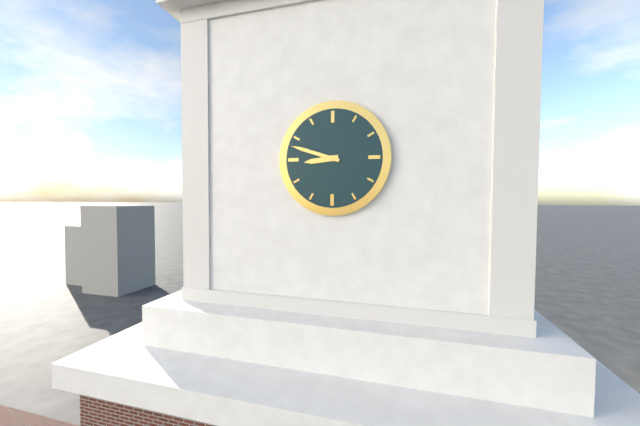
**8:48**
